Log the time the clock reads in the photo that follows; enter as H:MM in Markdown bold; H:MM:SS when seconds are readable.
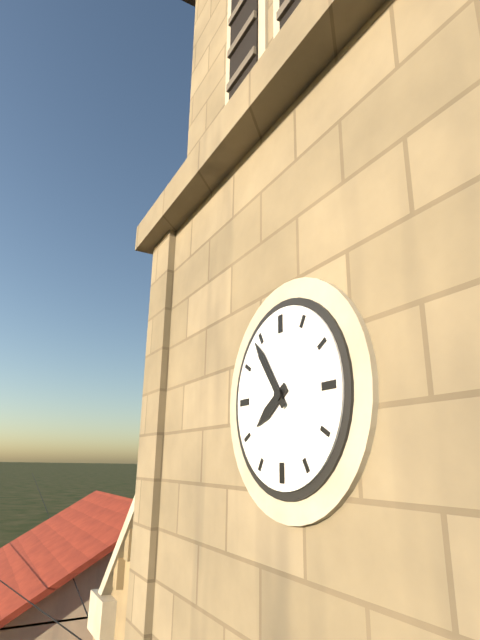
**7:54**
